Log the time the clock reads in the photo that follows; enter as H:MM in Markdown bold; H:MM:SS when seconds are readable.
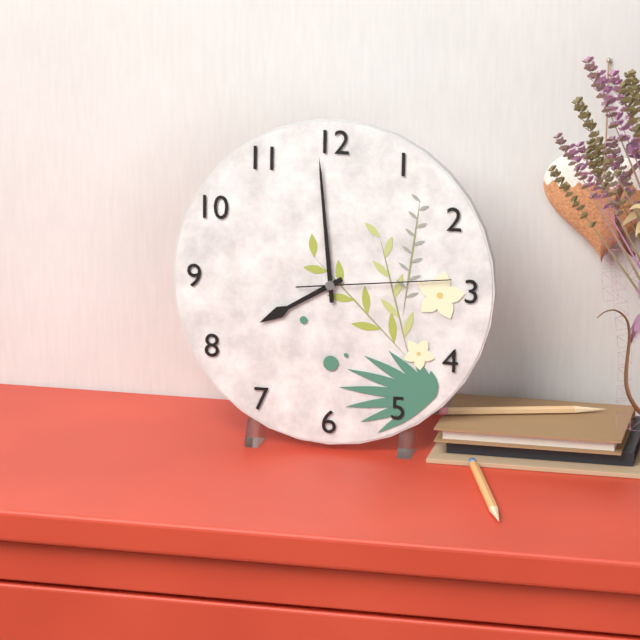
**7:59:14**
